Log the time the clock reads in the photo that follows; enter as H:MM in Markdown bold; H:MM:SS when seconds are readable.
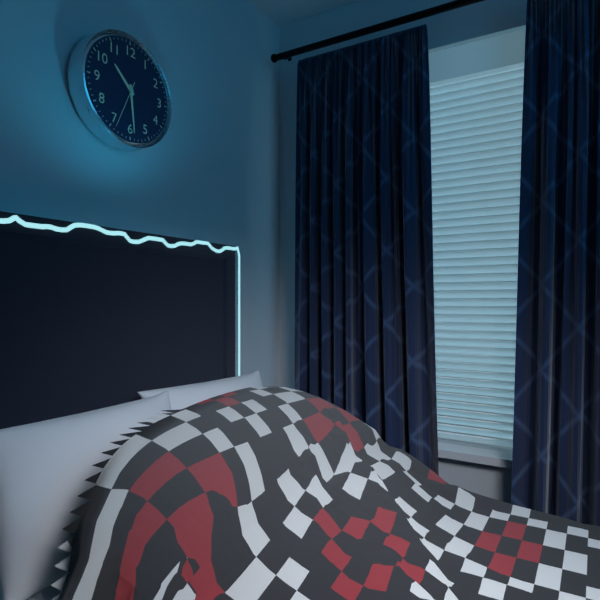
**10:29**
